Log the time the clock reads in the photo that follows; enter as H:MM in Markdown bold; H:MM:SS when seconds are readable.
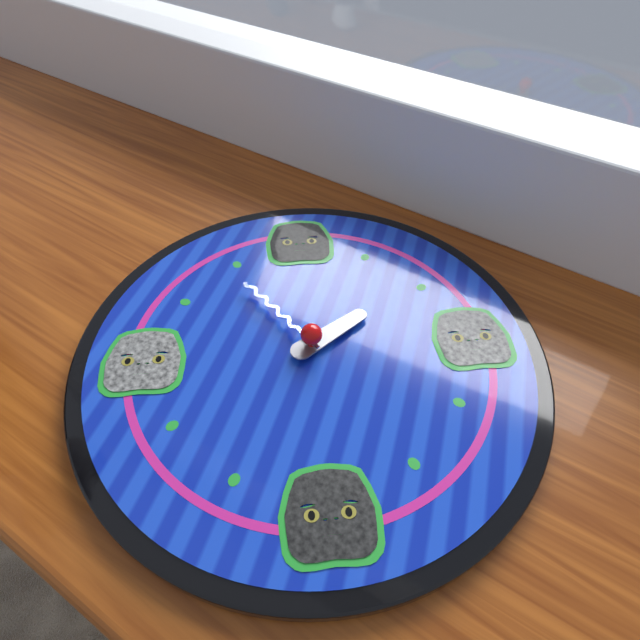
**1:54**
